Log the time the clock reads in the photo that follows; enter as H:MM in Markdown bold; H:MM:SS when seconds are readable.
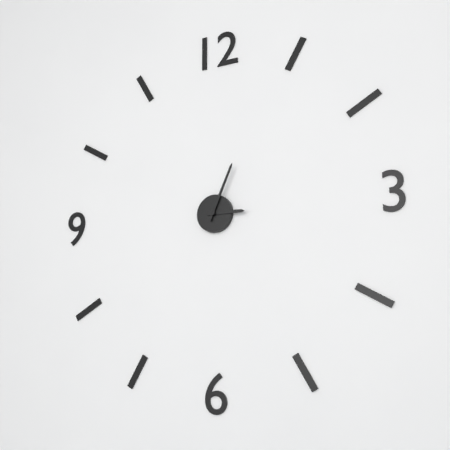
**3:04**
